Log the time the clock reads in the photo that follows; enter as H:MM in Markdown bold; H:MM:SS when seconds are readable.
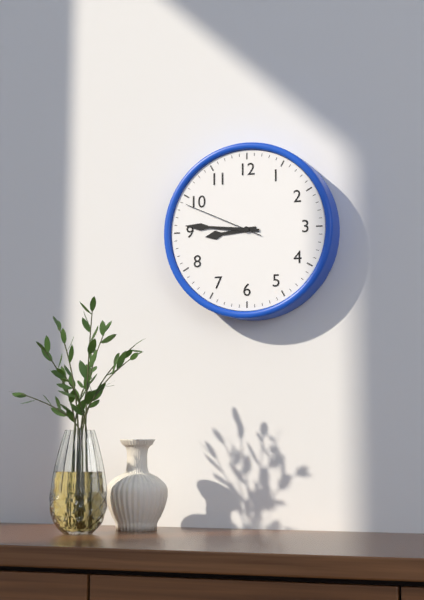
**8:46:49**
